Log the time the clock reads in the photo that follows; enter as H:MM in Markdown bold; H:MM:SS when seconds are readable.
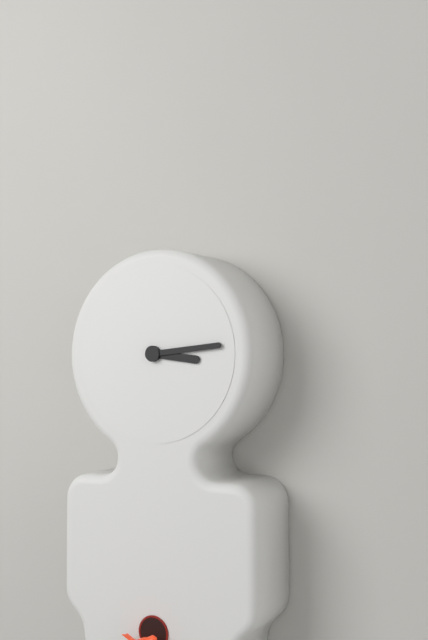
**3:14**
